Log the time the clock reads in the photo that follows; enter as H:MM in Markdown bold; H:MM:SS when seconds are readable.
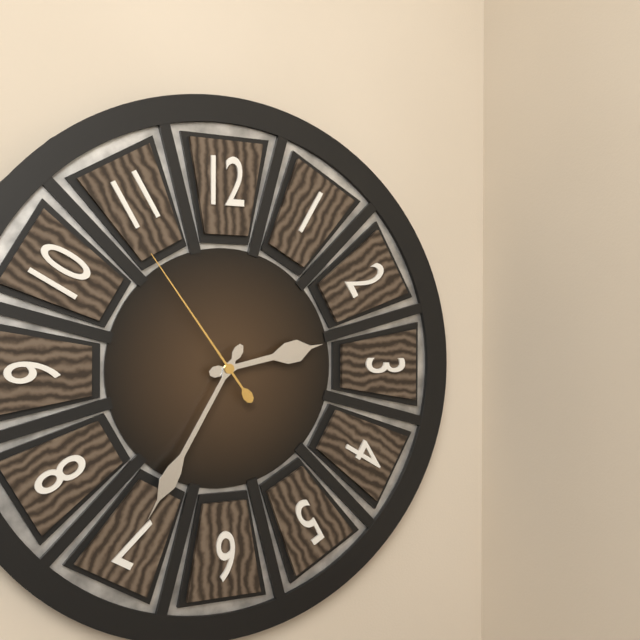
**2:35:54**
